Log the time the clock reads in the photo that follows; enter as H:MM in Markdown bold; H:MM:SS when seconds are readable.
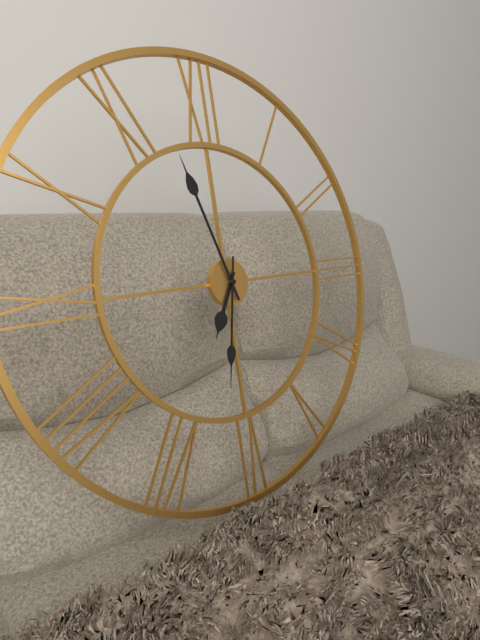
**6:57:32**
